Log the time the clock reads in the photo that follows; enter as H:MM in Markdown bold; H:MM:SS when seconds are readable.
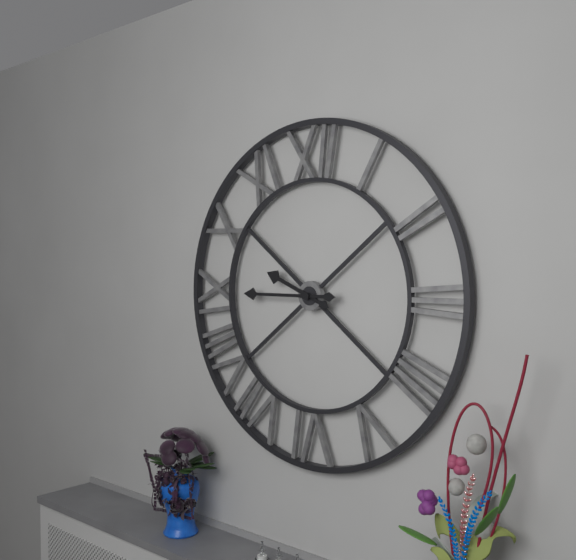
**9:45**
